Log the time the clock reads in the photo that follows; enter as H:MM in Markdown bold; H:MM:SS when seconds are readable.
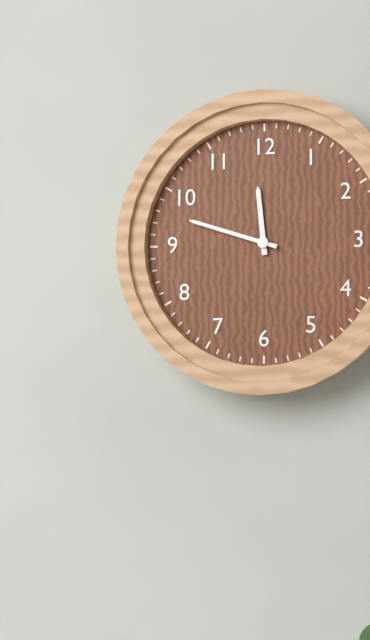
**11:48**
